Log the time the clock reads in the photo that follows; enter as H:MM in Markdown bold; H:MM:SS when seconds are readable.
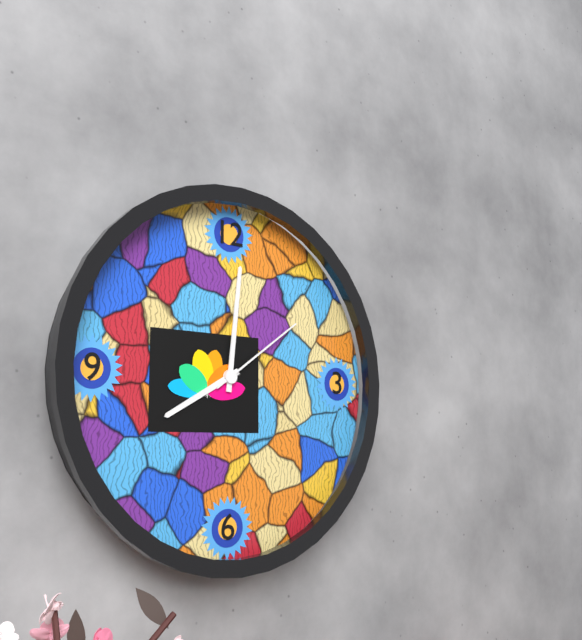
**8:01:09**
